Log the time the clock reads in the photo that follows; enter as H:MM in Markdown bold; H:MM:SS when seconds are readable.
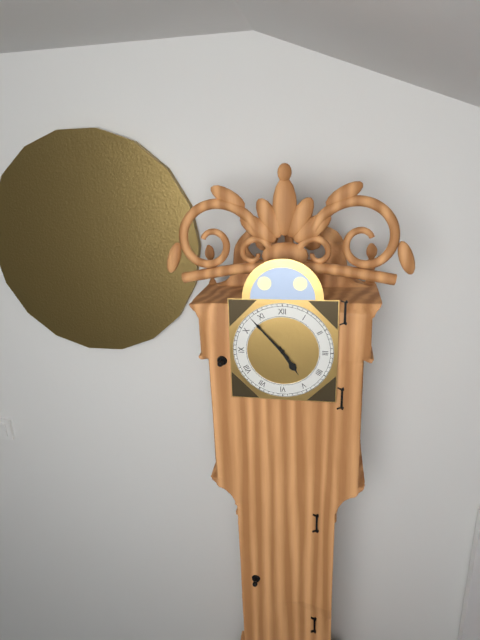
**4:53**
